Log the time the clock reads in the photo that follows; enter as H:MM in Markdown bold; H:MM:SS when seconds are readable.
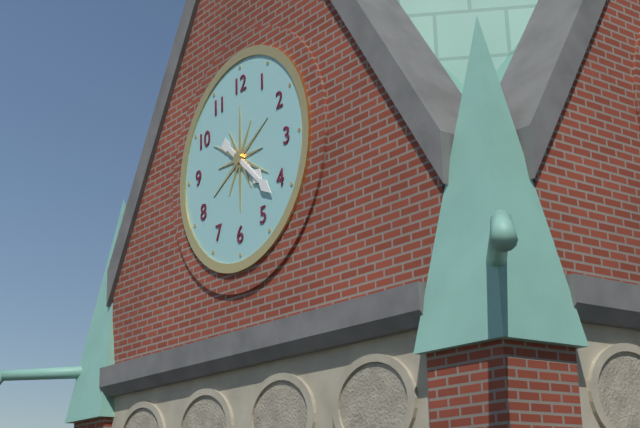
**4:22**
